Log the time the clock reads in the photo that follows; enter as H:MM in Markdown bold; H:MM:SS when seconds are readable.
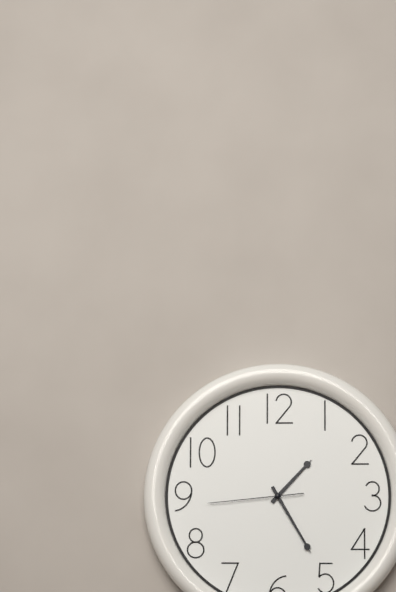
**1:25:44**
